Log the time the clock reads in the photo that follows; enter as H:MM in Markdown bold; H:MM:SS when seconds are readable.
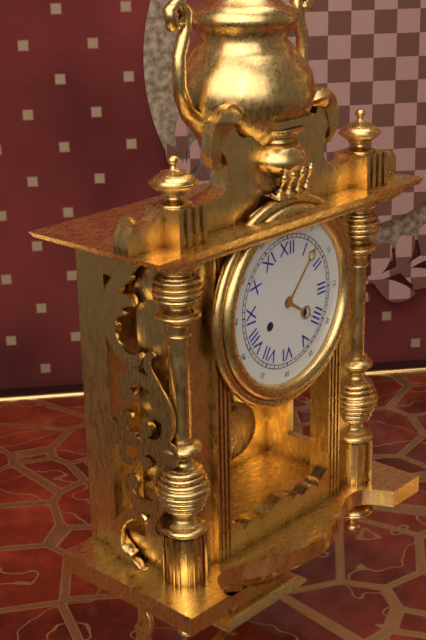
**4:07**
